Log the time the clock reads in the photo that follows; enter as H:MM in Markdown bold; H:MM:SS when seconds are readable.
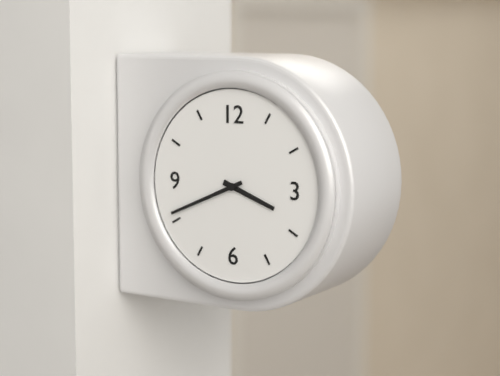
**3:41**
